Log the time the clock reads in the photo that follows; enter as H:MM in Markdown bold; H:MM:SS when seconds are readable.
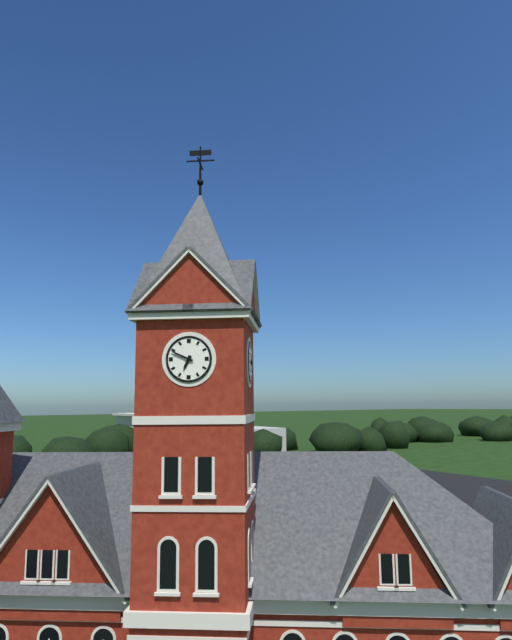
**6:49**
